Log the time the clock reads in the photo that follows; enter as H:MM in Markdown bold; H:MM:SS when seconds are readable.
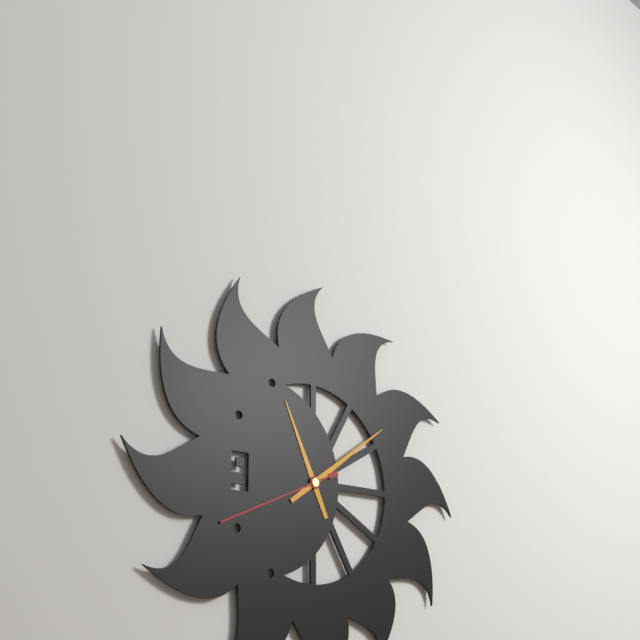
**11:09:41**
